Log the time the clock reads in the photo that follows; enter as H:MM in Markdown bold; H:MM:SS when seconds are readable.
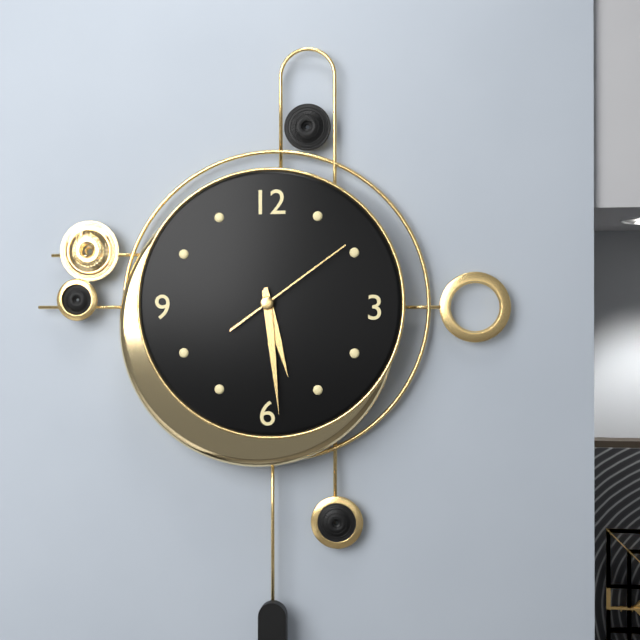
**5:29:09**
